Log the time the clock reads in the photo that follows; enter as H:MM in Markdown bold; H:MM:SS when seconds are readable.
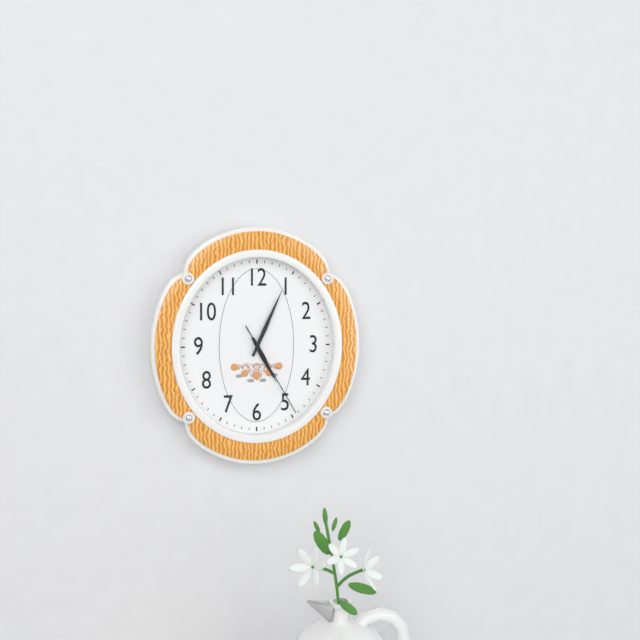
**5:04:25**
